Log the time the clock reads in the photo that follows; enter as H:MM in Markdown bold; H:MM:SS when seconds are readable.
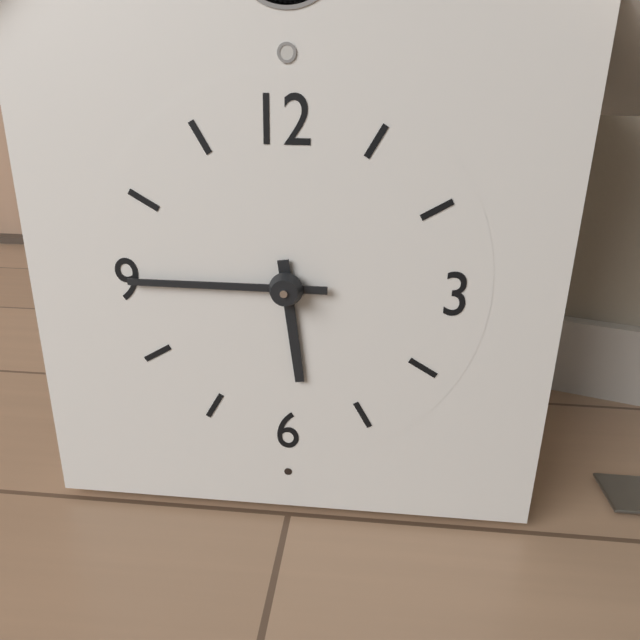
**5:45**
